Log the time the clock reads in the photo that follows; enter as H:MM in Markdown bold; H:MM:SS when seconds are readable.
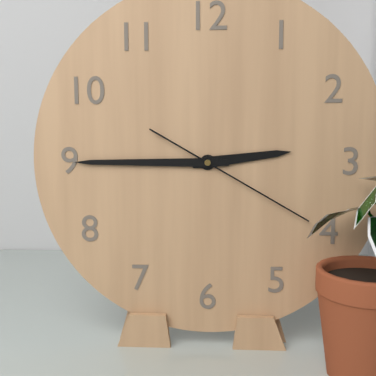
**2:45:20**
